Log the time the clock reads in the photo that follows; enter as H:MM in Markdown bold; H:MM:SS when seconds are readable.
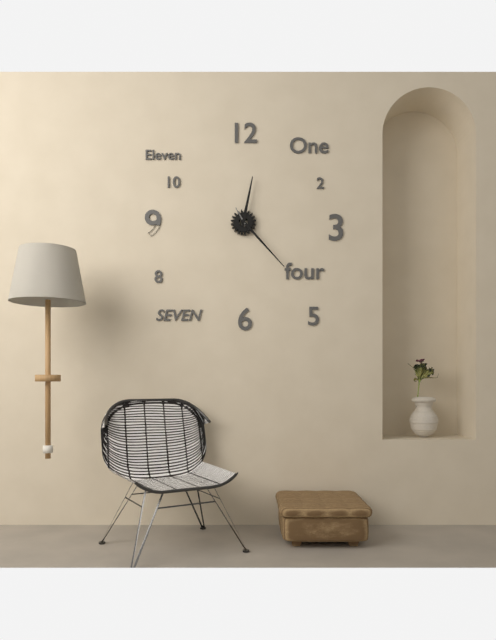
**12:23**
